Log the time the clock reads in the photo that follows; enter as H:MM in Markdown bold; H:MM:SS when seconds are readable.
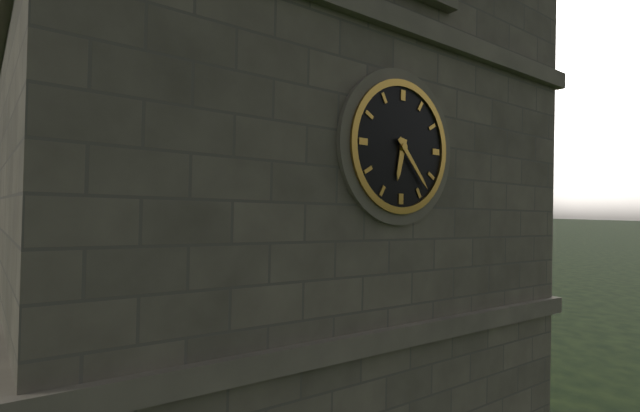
**6:23**
